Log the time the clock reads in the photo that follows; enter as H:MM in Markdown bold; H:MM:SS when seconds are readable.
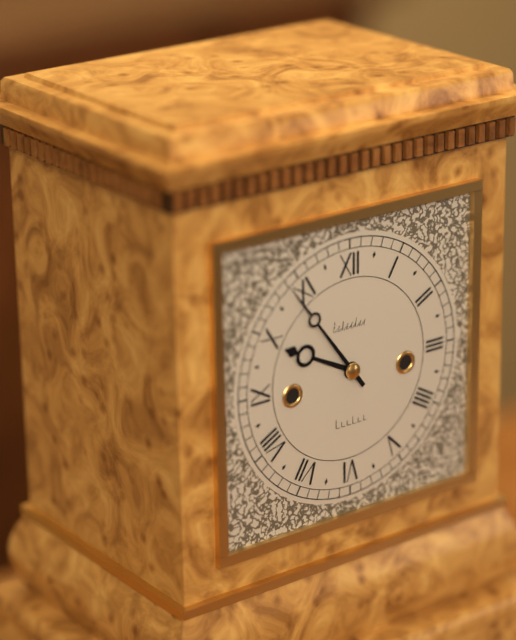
**9:54**
